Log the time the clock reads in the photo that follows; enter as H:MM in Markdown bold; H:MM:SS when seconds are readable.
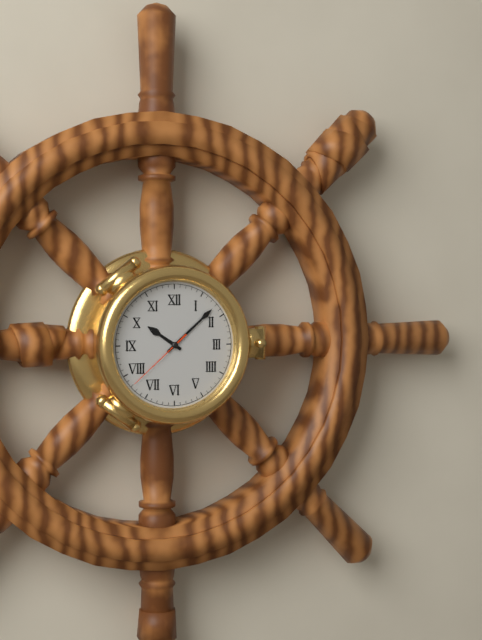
**10:08:38**
